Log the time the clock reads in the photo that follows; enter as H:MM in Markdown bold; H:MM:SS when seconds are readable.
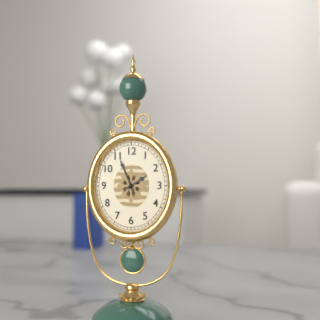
**1:56**
